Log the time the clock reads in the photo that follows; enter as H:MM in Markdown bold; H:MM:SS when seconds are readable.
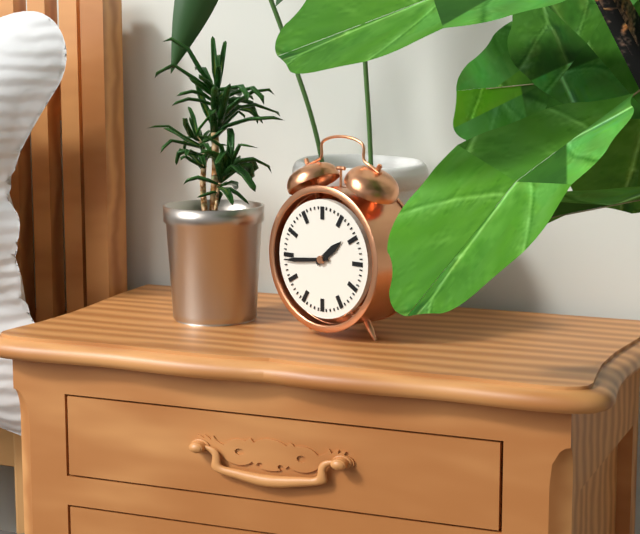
**1:44**
